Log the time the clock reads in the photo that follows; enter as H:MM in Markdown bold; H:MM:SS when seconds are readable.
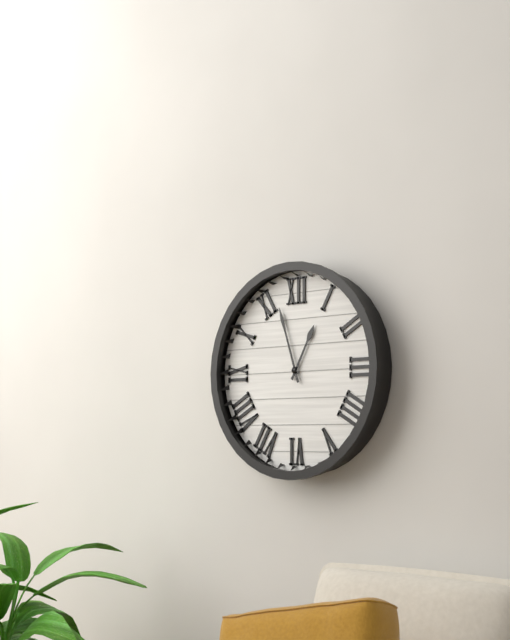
**12:57**
